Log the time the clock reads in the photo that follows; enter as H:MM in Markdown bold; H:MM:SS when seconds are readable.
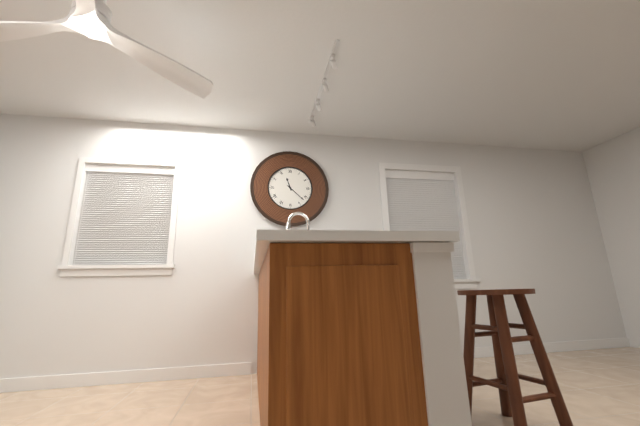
**11:22**
